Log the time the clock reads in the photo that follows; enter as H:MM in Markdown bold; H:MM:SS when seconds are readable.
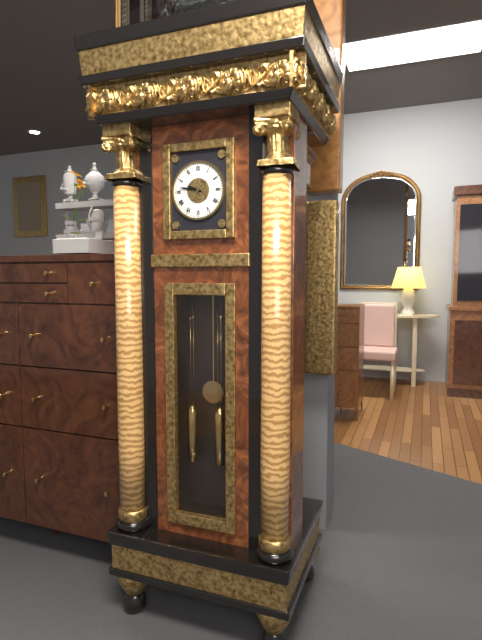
**9:47**
